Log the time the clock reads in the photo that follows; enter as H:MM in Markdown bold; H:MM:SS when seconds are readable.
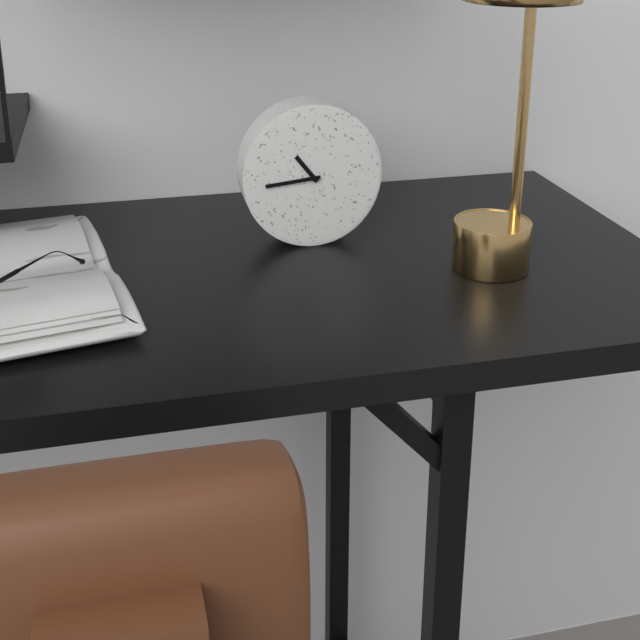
**10:44**
